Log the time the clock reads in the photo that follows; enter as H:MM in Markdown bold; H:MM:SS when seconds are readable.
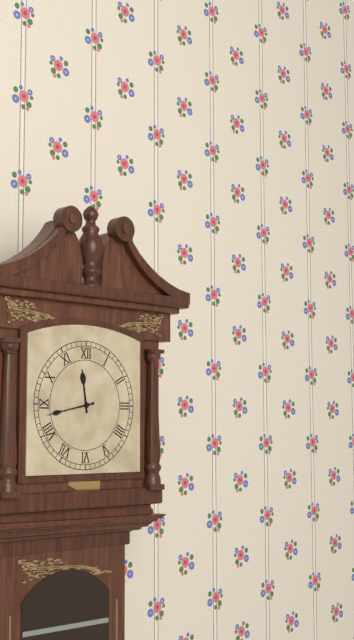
**11:43**
